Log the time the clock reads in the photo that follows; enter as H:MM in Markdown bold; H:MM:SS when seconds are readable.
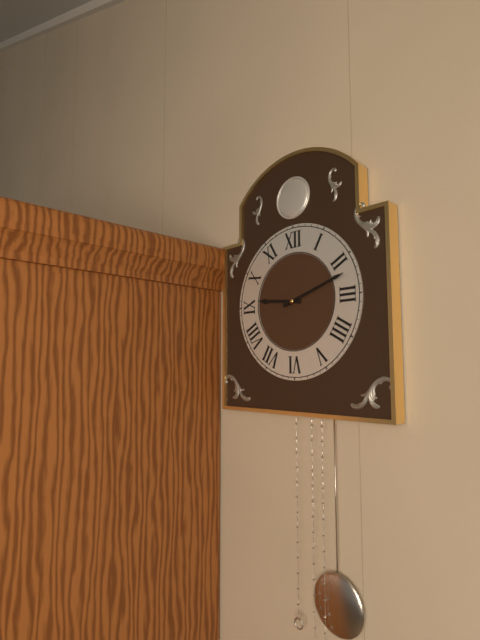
**9:12**
